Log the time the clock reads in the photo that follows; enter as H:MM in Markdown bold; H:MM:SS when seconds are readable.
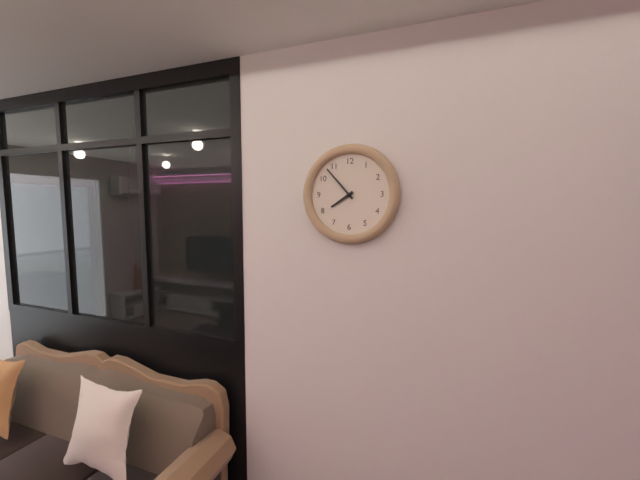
**7:53**
